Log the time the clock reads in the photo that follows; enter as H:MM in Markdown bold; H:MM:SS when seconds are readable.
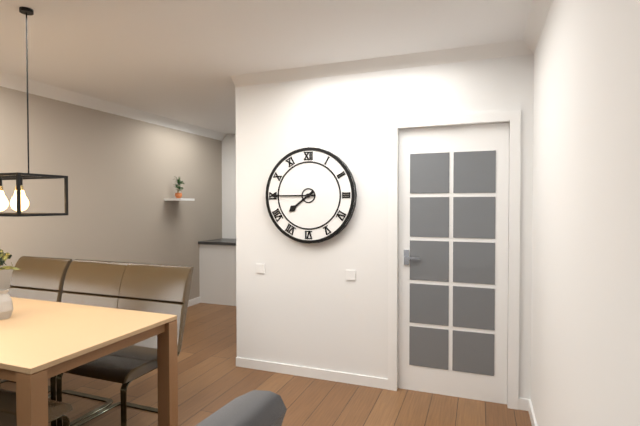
**7:45**
